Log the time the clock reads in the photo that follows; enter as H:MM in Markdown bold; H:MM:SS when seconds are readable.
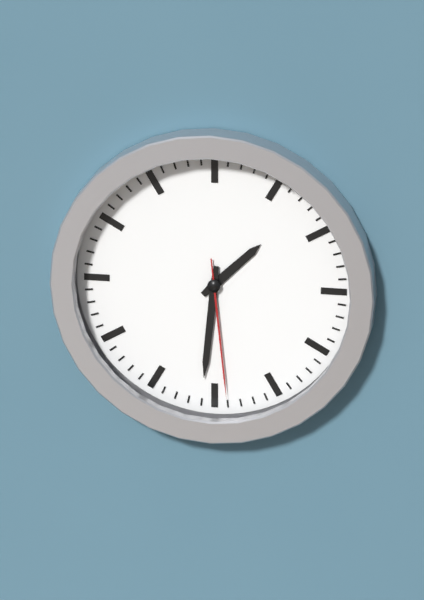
**1:31:29**
